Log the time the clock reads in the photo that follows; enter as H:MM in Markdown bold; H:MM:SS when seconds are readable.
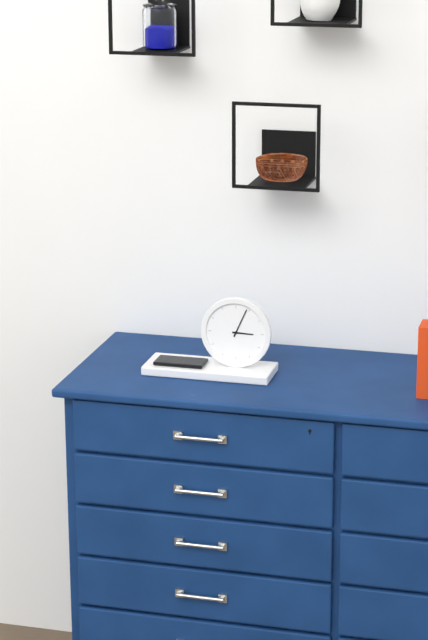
**3:04**
